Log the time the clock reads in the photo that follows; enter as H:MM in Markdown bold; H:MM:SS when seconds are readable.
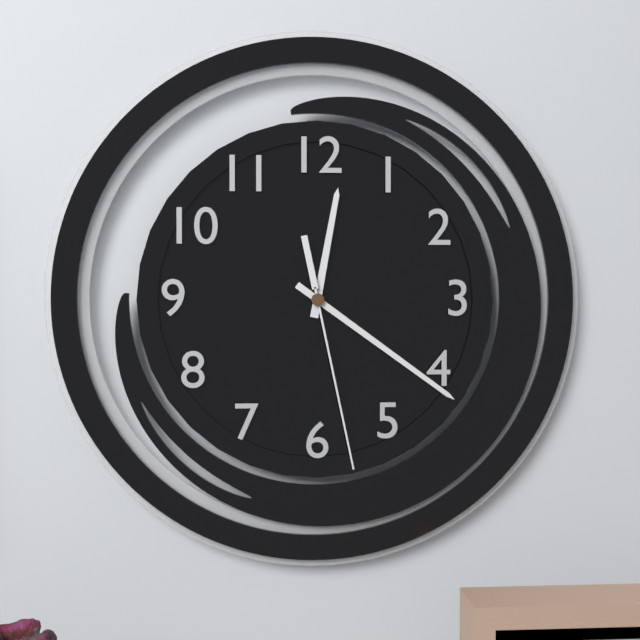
**12:21:28**
